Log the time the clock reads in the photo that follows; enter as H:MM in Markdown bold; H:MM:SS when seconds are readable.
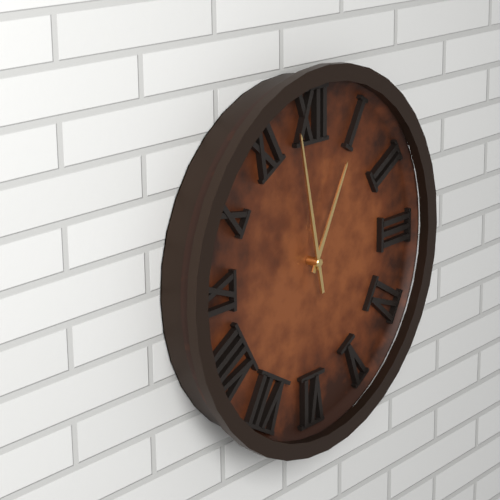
**12:58**
